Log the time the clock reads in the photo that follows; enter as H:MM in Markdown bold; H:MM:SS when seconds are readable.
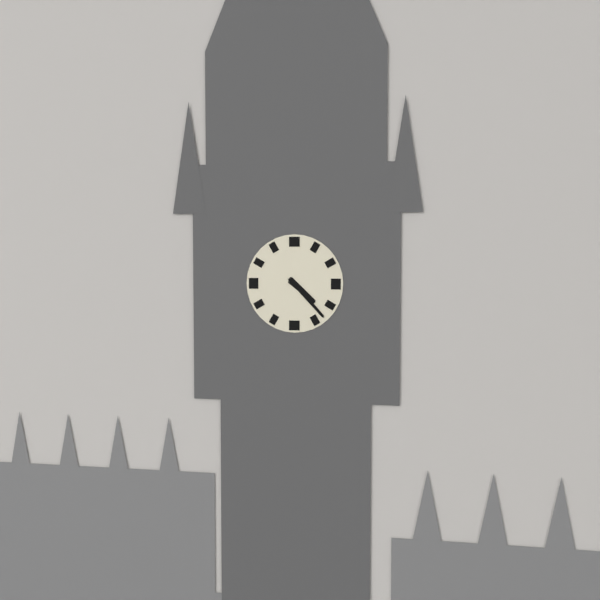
**4:23**
